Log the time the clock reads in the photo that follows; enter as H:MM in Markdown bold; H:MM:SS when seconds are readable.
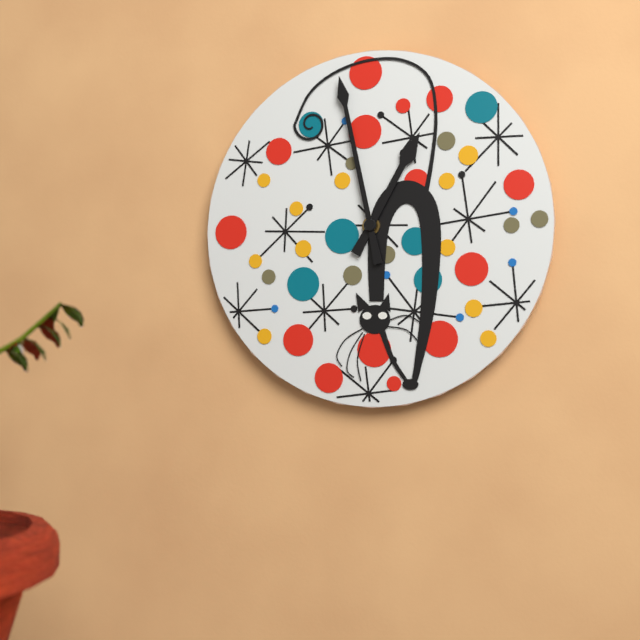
**12:58**
